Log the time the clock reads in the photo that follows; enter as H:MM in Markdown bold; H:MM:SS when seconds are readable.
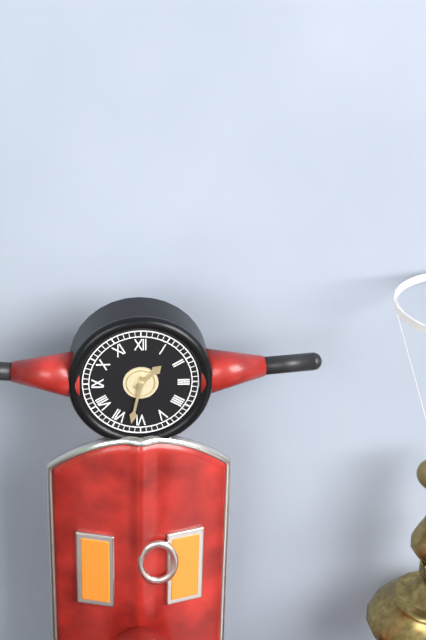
**1:32**
